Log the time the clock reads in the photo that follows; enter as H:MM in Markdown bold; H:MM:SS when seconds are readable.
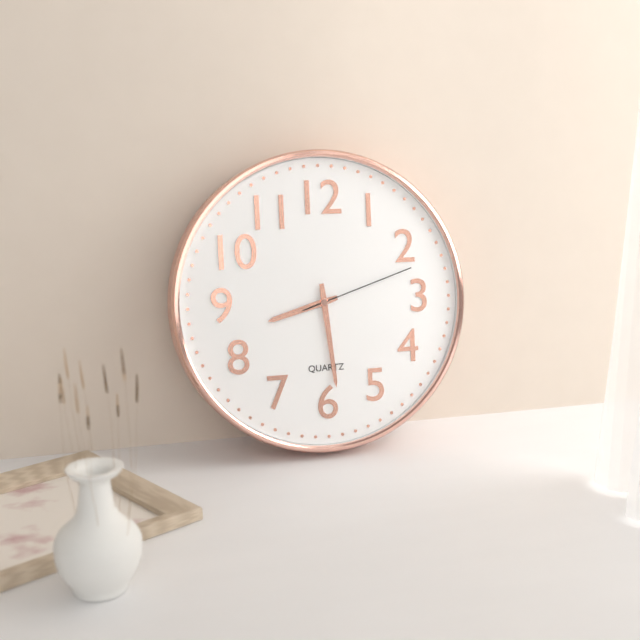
**8:29:12**
